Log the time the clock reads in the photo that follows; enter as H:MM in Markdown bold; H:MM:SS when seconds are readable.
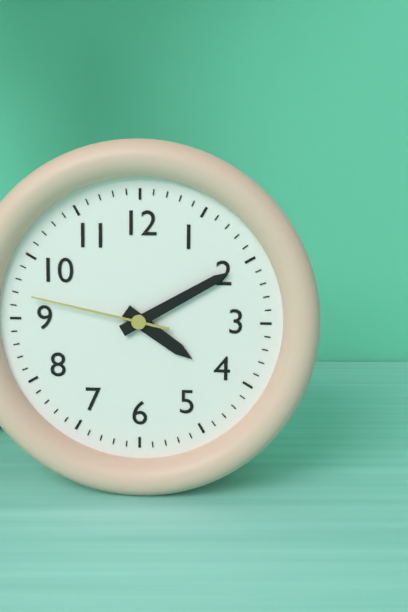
**4:10:47**
